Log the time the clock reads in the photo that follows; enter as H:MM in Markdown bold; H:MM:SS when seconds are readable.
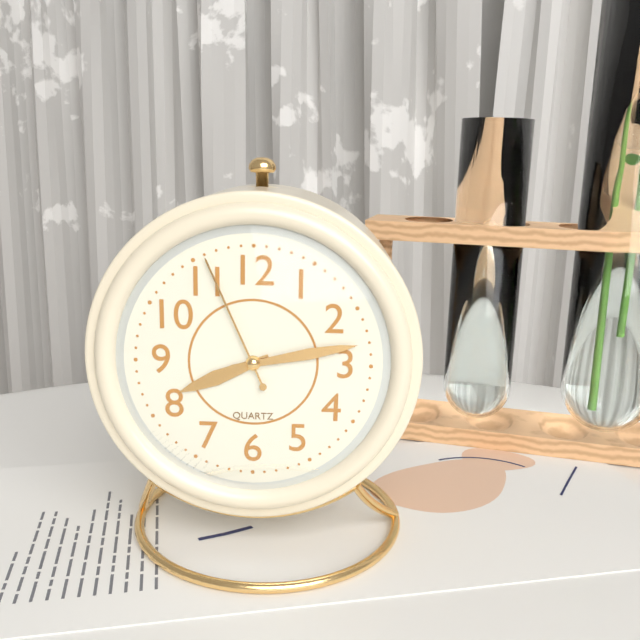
**8:13:56**
